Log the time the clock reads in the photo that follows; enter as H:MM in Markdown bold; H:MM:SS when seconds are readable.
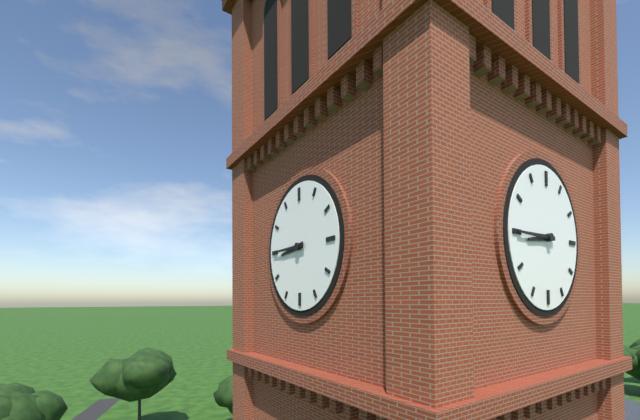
**8:45**
